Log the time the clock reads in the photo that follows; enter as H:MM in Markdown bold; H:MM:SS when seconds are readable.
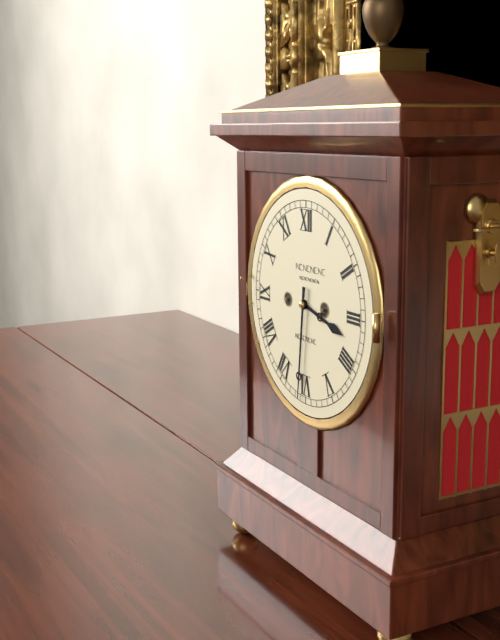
**3:31**
